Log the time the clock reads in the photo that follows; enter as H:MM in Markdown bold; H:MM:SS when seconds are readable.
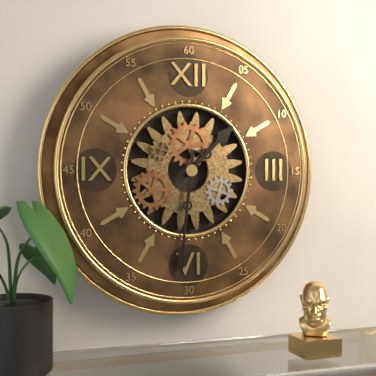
**1:31**
